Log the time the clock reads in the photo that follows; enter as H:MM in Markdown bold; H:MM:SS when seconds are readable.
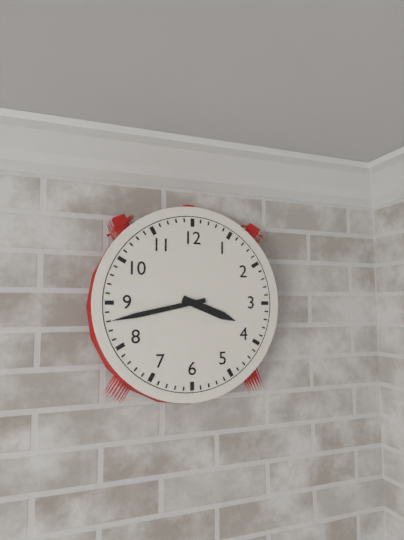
**3:43**
